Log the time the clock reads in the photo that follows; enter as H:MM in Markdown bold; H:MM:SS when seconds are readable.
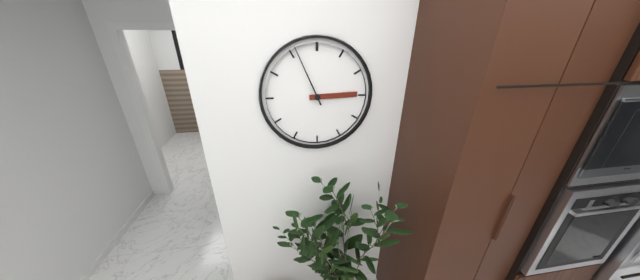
**2:56**
